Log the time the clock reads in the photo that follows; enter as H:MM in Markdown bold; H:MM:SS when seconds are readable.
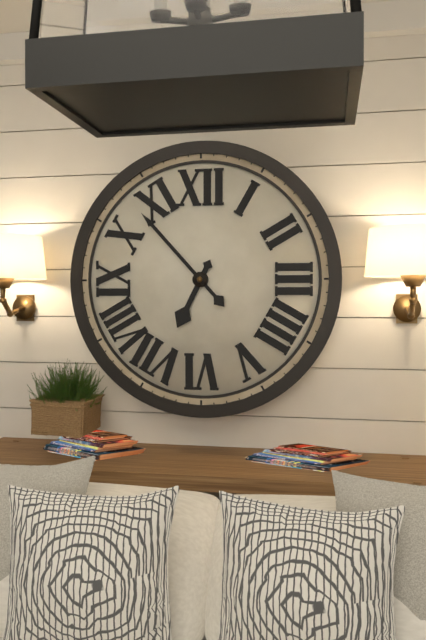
**6:53**
